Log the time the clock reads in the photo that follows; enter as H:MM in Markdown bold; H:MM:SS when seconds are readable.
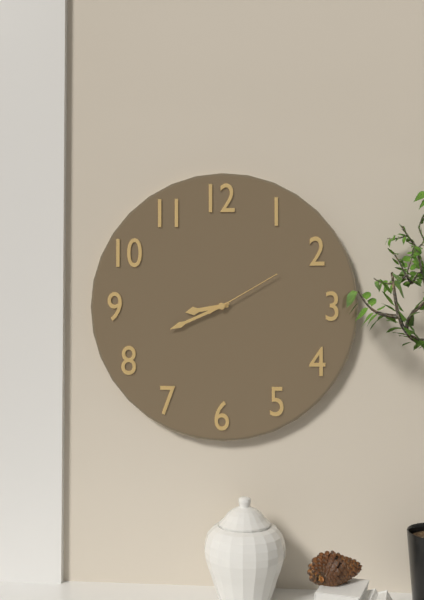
**8:41:10**
